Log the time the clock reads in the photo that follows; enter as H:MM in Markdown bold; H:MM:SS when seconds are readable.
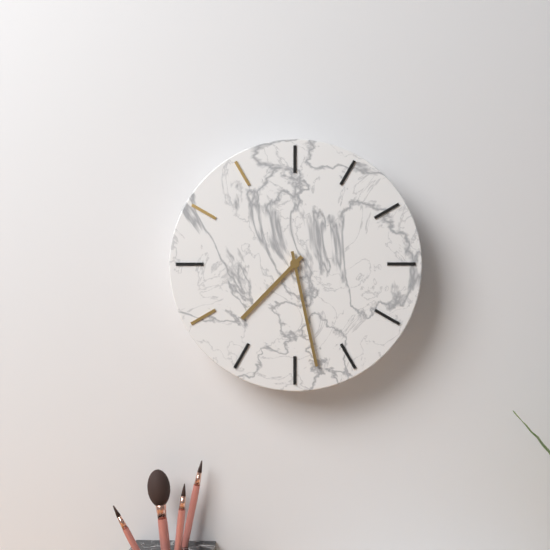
**7:28**
